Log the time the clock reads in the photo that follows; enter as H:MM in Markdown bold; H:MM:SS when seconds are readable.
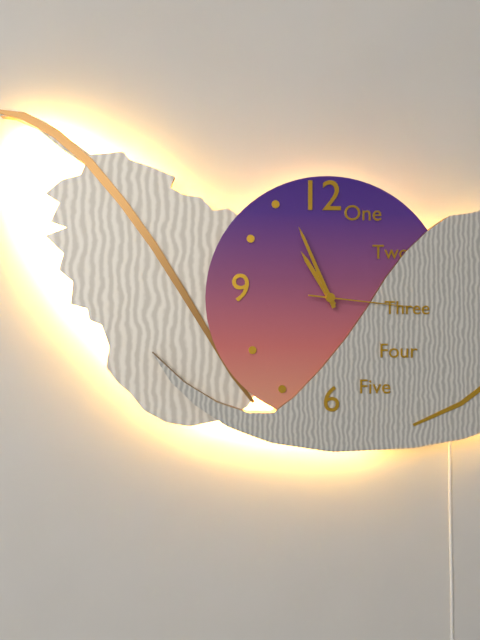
**10:56:16**
